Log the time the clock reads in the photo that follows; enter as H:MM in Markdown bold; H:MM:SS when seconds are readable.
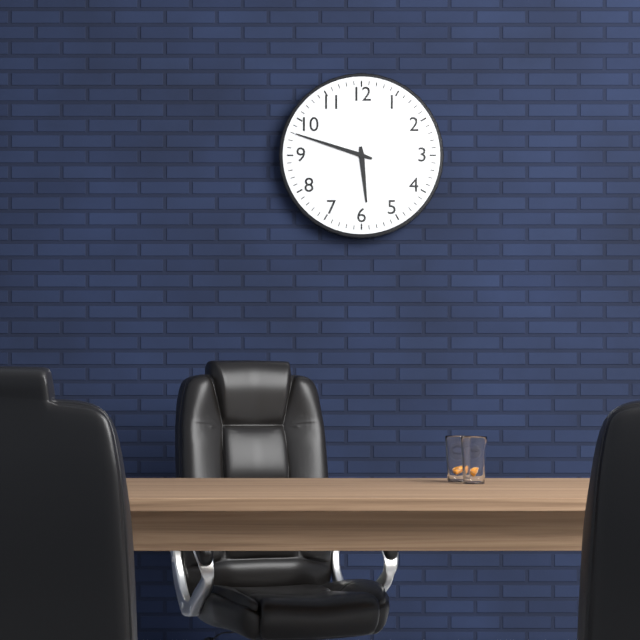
**5:48**
